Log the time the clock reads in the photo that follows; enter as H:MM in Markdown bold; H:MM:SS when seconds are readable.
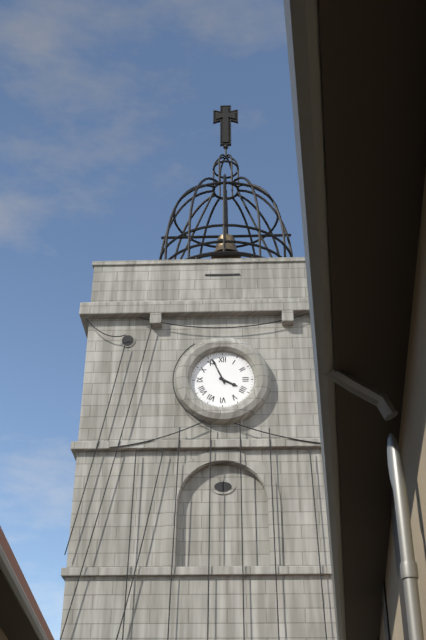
**3:56**
